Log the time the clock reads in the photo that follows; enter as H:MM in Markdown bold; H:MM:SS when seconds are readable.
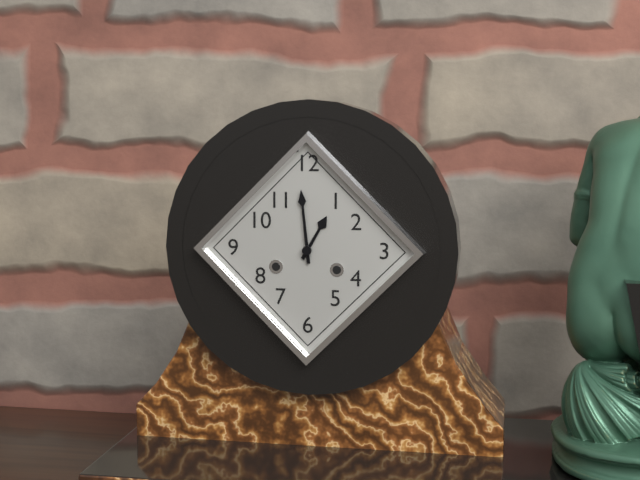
**12:59**
